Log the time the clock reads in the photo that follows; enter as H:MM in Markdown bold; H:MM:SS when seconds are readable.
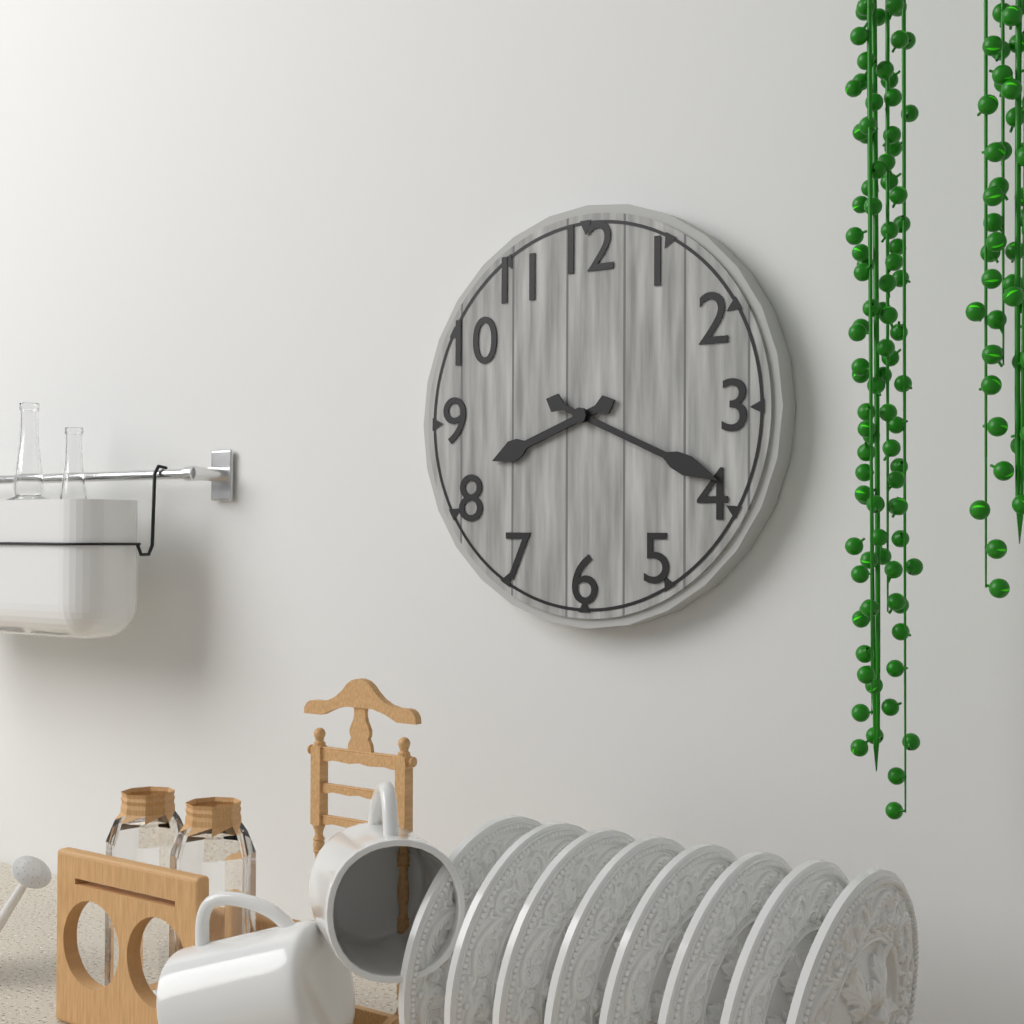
**8:19**
